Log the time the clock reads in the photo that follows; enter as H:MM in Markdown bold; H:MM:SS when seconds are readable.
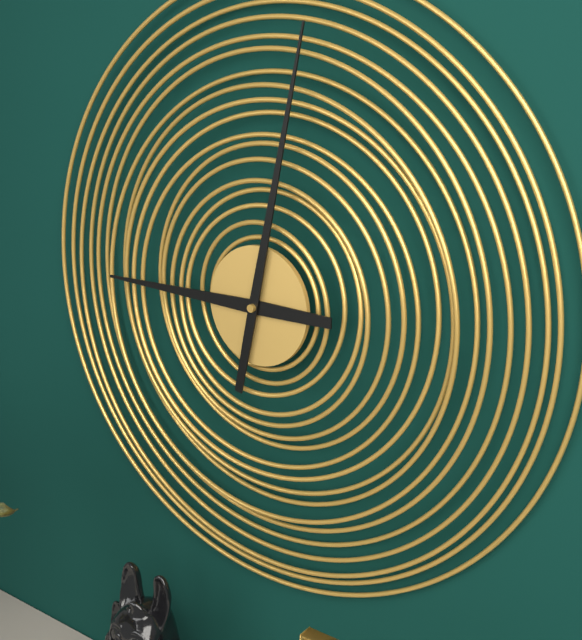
**9:02**
